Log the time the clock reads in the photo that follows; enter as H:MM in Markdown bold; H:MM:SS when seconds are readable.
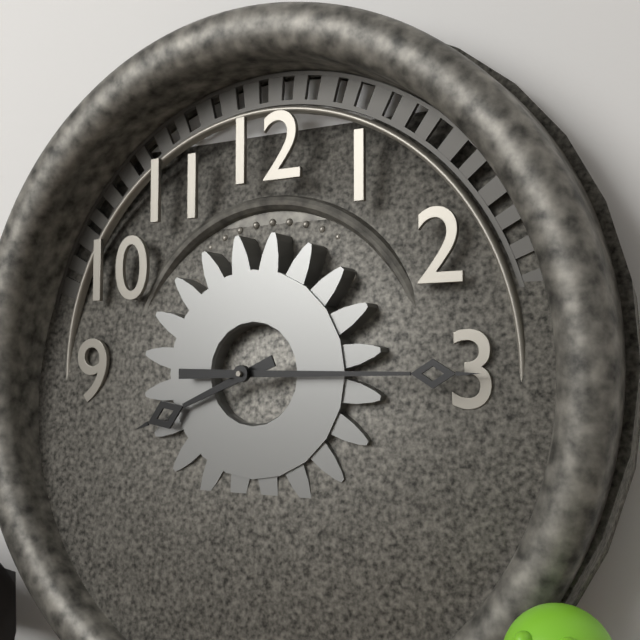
**8:15**
